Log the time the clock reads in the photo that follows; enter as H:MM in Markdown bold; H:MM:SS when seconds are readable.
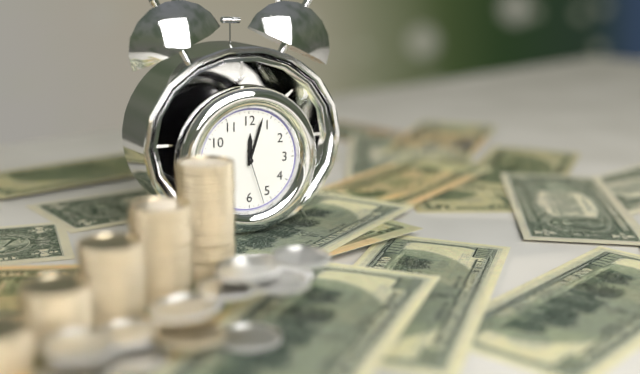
**12:03:27**
